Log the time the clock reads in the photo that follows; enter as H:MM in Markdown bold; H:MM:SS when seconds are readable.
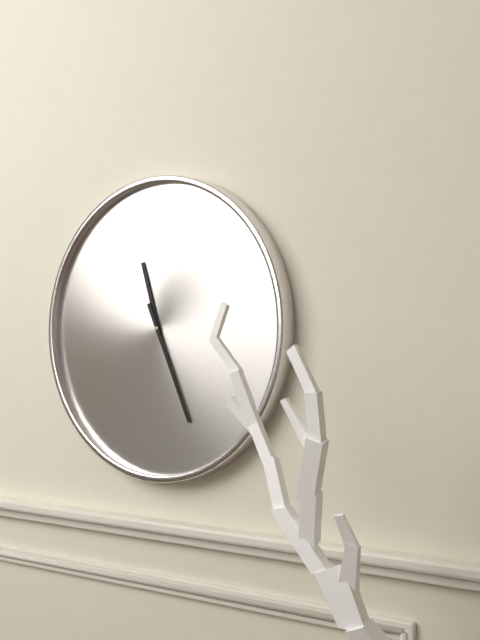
**11:26**
